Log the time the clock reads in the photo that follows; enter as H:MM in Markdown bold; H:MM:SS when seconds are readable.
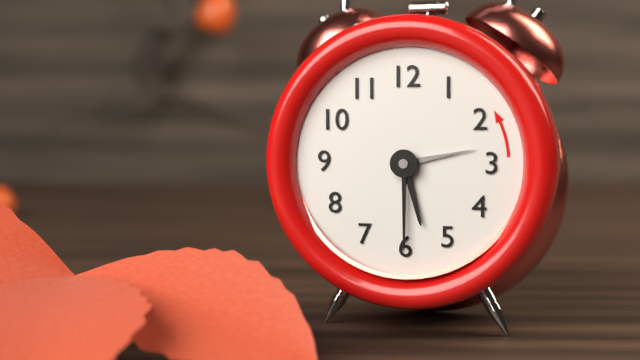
**5:30:13**
